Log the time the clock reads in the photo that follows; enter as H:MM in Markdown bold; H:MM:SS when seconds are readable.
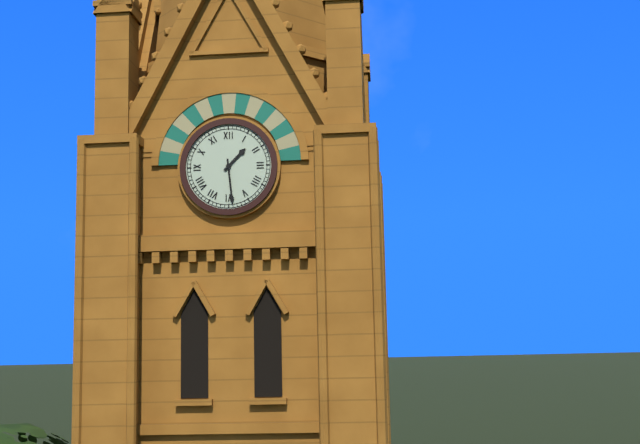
**1:29**
